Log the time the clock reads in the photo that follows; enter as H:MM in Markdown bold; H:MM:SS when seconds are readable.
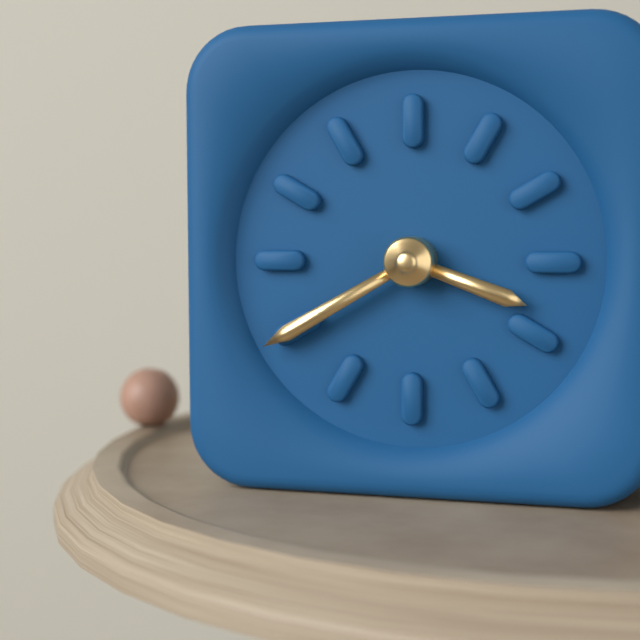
**3:40**
